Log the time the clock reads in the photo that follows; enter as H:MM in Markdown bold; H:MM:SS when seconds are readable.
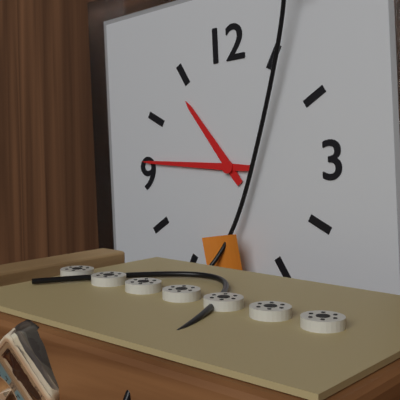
**10:46**
